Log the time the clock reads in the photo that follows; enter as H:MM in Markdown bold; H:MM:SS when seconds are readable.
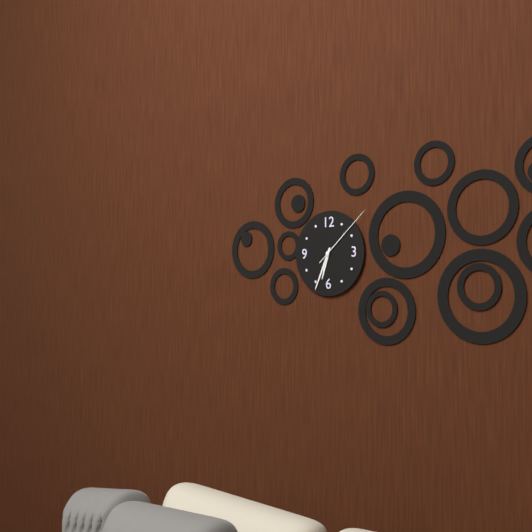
**6:34:08**
